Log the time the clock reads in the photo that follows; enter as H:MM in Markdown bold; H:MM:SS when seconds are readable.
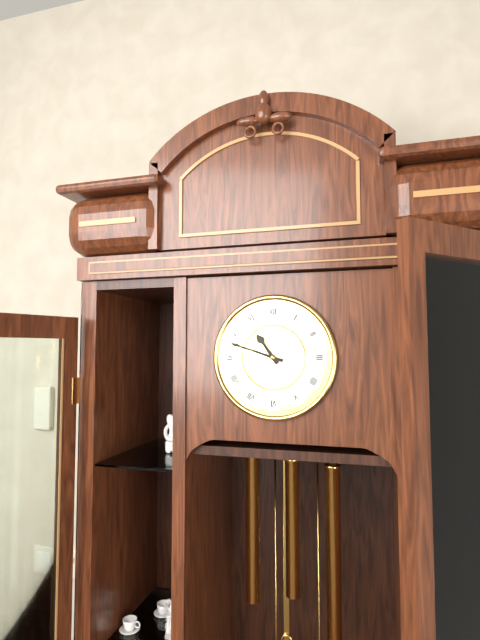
**10:48**
